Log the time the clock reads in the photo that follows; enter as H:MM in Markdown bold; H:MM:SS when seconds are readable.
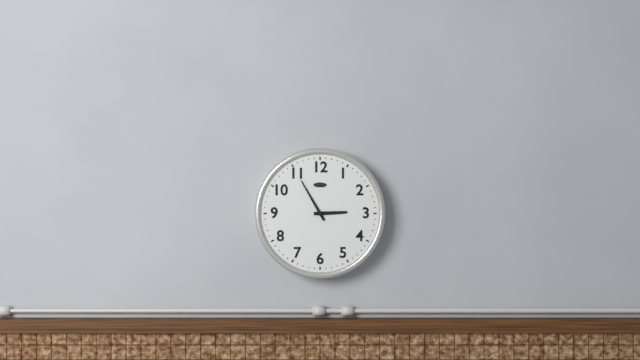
**2:55**
